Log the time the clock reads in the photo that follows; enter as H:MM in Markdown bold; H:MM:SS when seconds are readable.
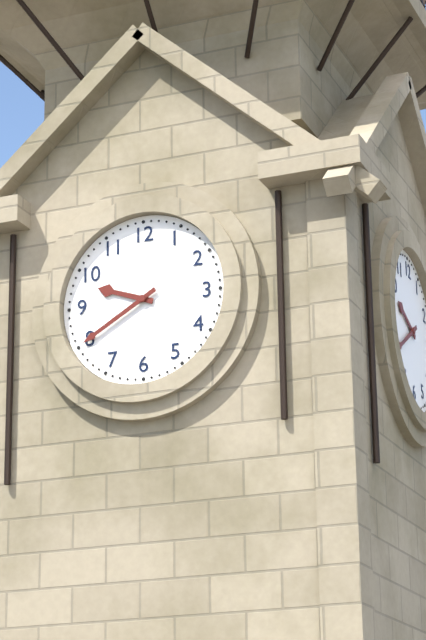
**9:40**
